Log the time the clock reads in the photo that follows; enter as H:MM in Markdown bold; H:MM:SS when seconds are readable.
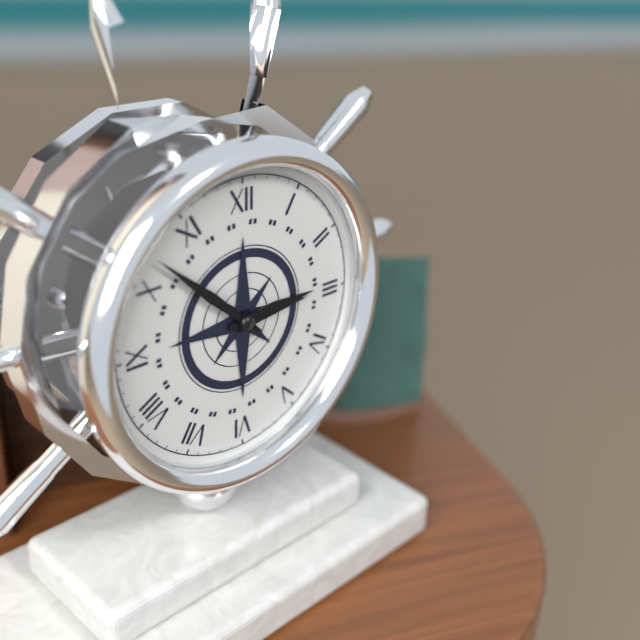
**2:52**
